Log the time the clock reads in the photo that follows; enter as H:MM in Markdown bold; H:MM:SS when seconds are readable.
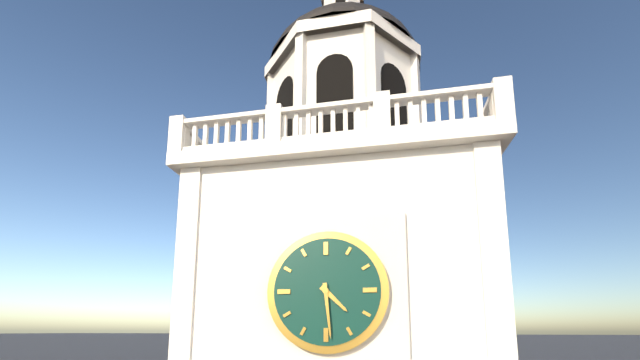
**4:29**
